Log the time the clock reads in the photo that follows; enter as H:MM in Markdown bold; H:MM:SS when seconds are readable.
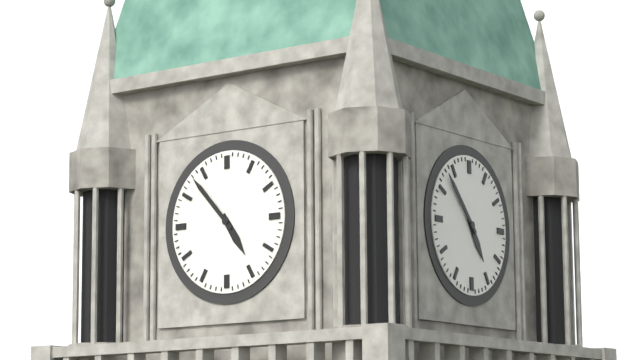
**4:53**
